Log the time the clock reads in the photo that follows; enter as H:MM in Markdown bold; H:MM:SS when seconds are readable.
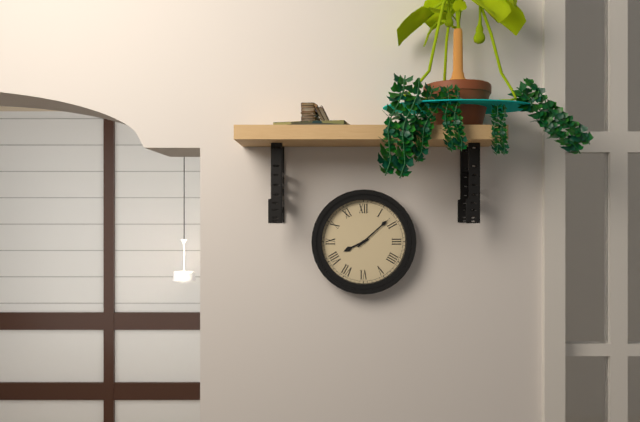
**8:08**
